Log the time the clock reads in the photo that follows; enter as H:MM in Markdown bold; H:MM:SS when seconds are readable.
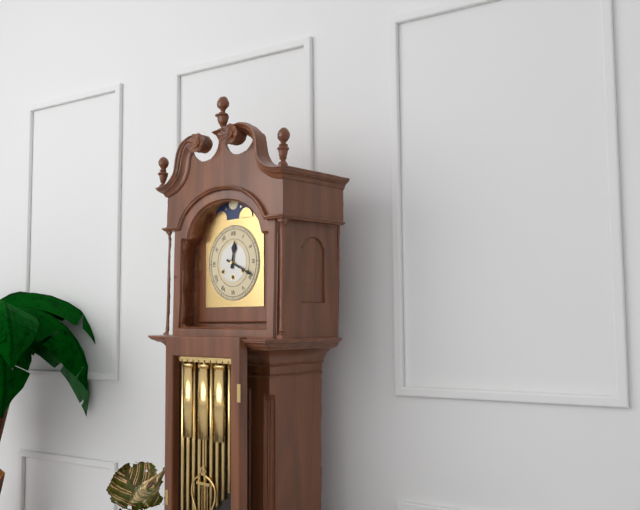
**12:19**
